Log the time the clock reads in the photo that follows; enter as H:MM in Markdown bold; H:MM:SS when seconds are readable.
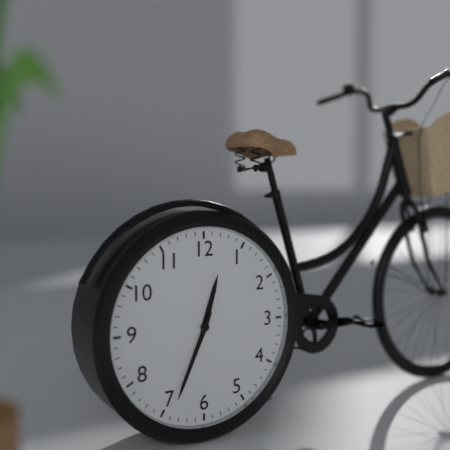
**12:34**
